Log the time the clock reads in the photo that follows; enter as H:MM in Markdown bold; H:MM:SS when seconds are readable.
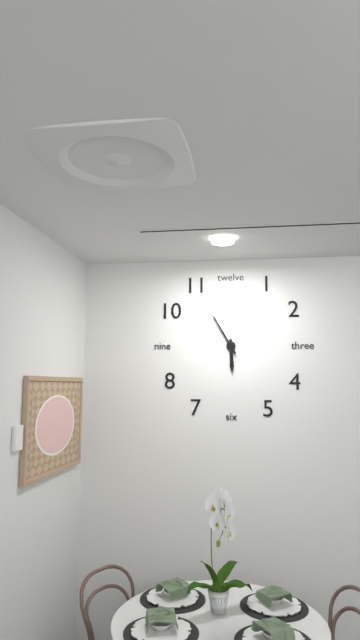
**5:55**
